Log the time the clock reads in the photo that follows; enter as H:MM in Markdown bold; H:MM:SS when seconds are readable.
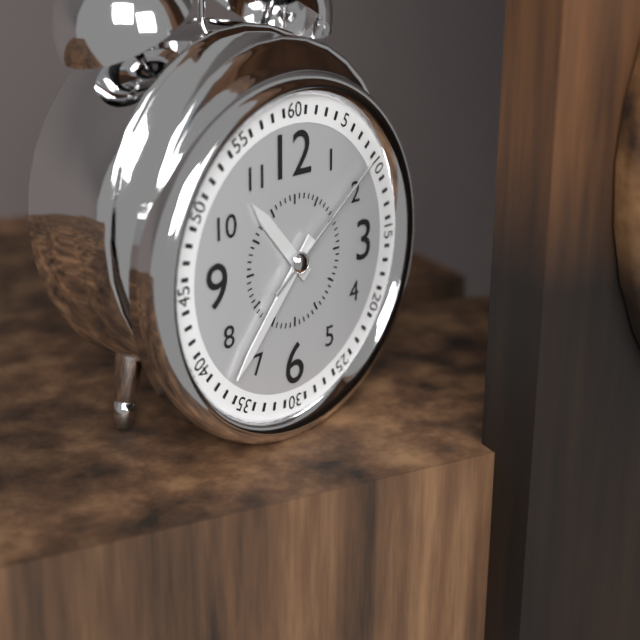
**10:37:09**
